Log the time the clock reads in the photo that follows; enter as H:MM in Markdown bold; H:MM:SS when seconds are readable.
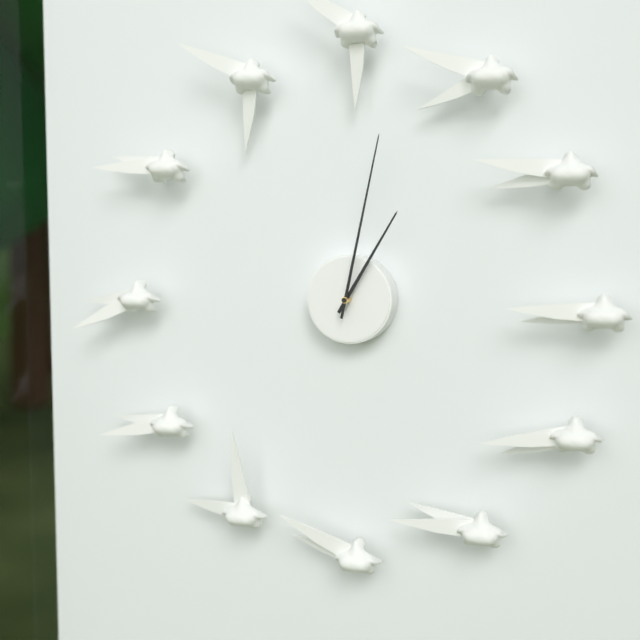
**1:02**
